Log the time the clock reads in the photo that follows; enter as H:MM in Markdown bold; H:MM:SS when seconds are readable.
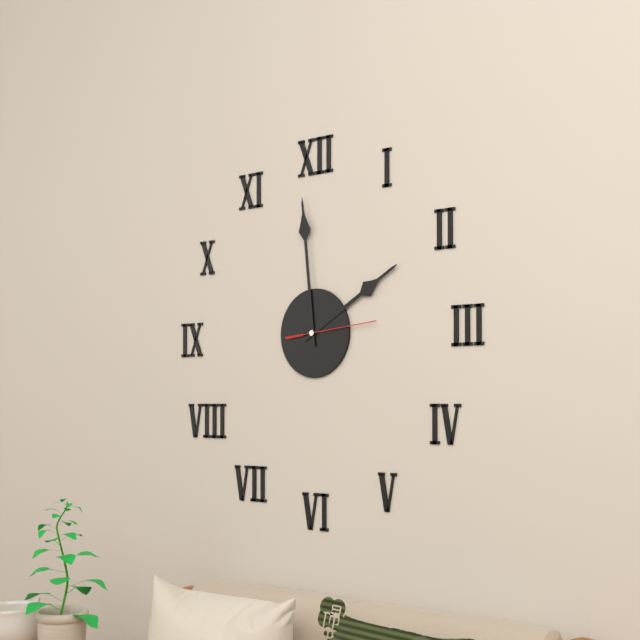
**1:59:14**
